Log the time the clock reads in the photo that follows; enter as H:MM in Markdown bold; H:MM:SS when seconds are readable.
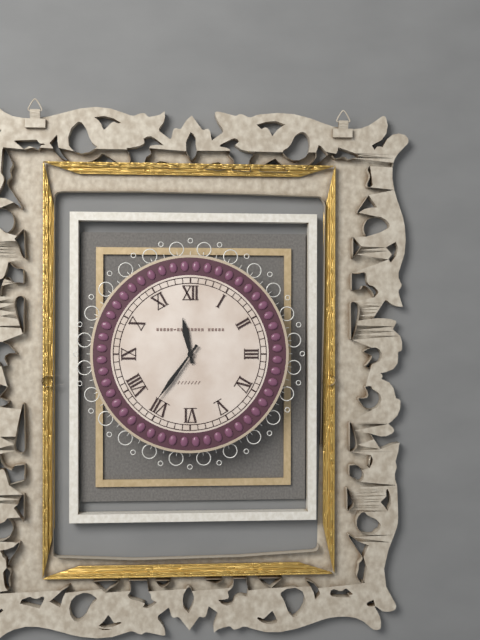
**11:36**
